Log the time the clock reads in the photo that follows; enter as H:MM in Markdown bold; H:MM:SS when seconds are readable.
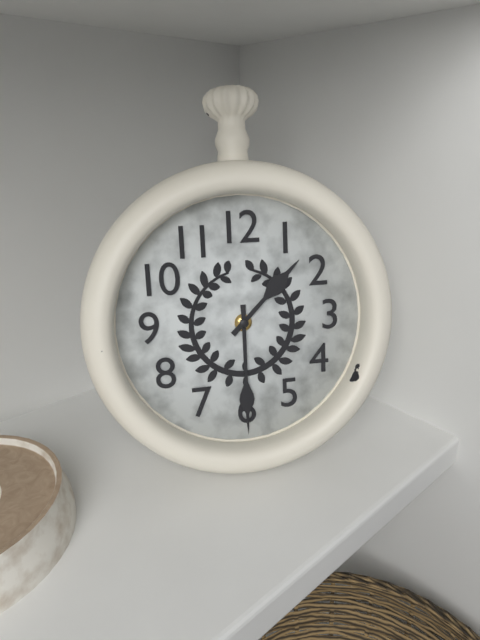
**1:30**
